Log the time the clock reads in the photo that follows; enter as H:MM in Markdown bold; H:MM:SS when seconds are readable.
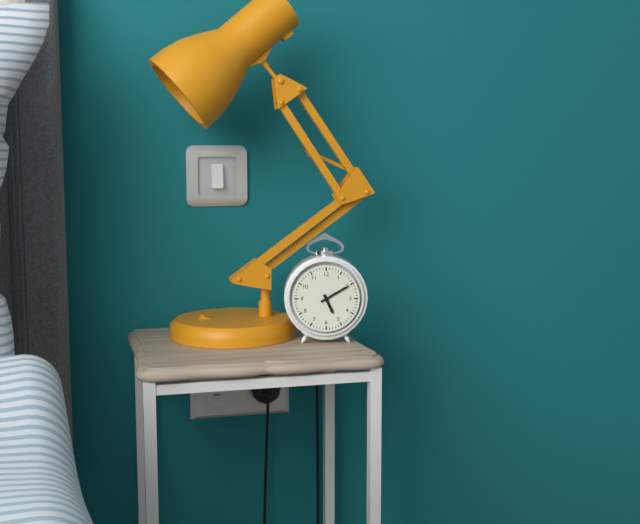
**5:10**
